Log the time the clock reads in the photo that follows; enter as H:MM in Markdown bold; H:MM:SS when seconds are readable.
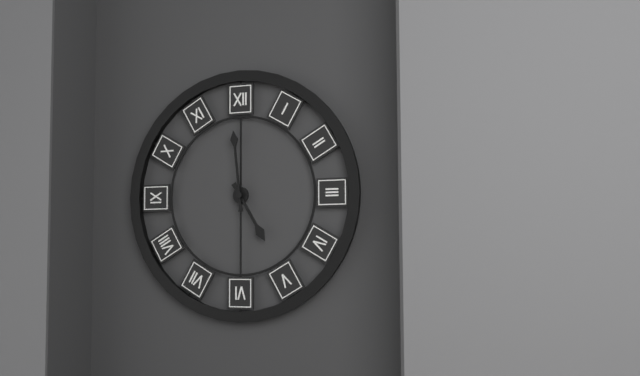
**4:59**
